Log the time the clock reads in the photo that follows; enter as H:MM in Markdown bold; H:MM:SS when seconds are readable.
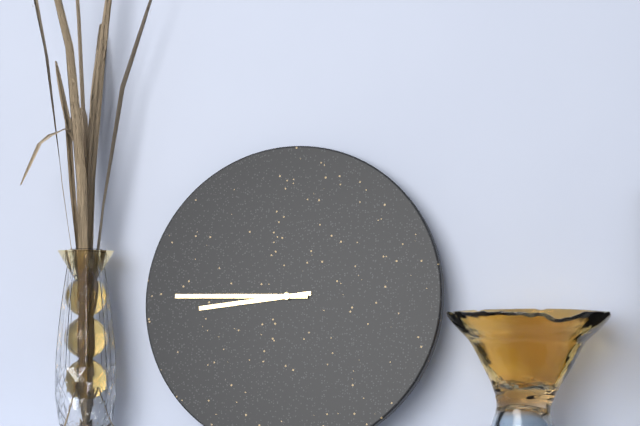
**8:45**
